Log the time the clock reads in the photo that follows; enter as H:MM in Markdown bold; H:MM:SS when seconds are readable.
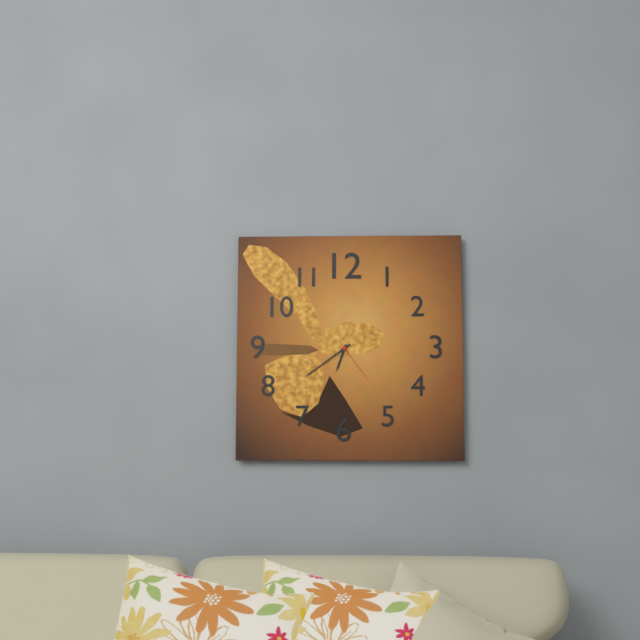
**6:39:24**
